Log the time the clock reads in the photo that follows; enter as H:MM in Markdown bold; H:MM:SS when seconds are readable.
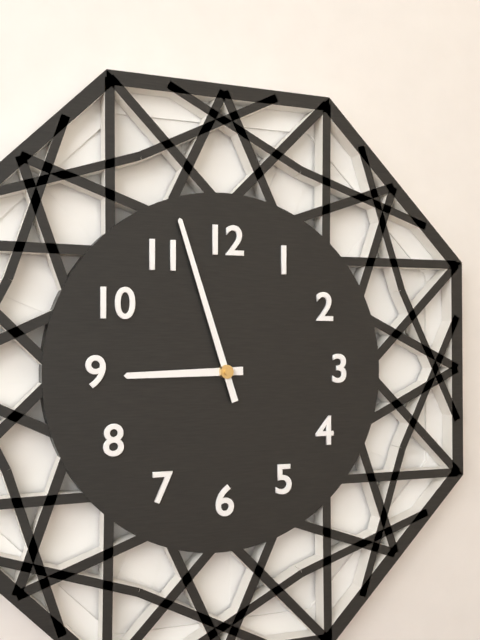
**8:57**
